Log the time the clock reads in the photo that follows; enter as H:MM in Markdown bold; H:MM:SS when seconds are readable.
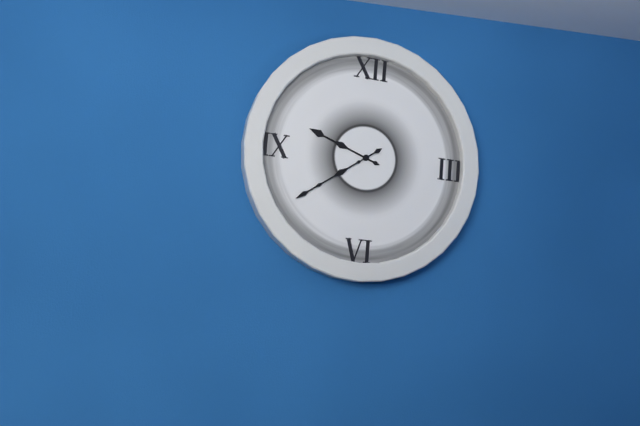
**9:39**
